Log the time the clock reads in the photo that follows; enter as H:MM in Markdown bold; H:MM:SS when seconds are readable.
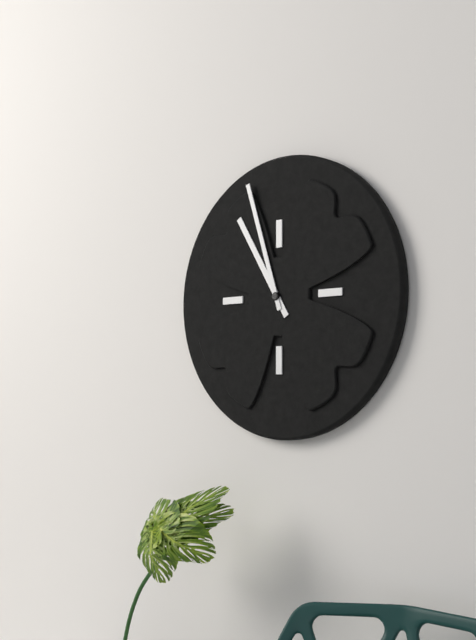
**10:57**
